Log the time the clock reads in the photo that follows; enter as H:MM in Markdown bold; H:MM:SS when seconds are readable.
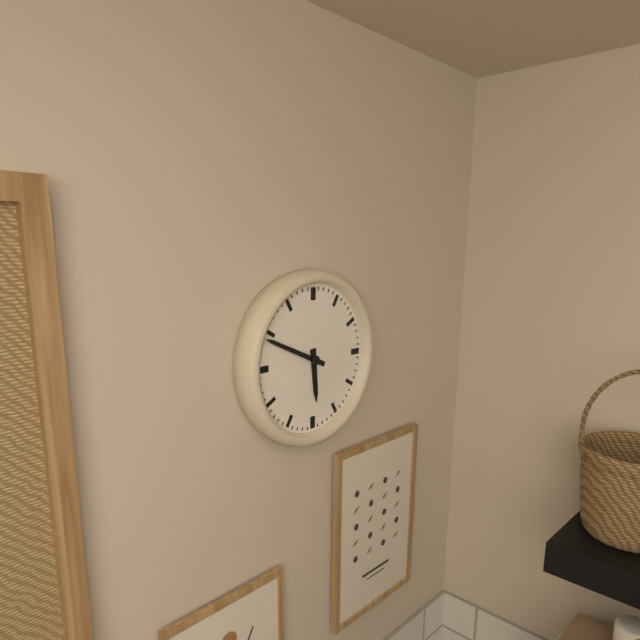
**5:49**
